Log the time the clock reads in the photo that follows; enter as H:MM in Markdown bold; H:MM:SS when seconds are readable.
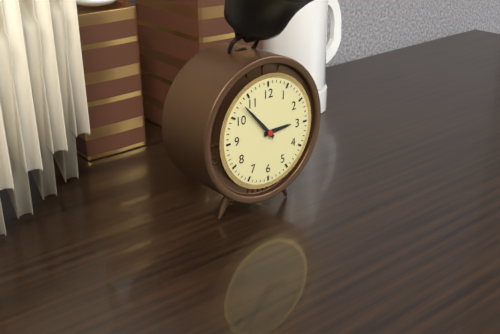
**2:53**
